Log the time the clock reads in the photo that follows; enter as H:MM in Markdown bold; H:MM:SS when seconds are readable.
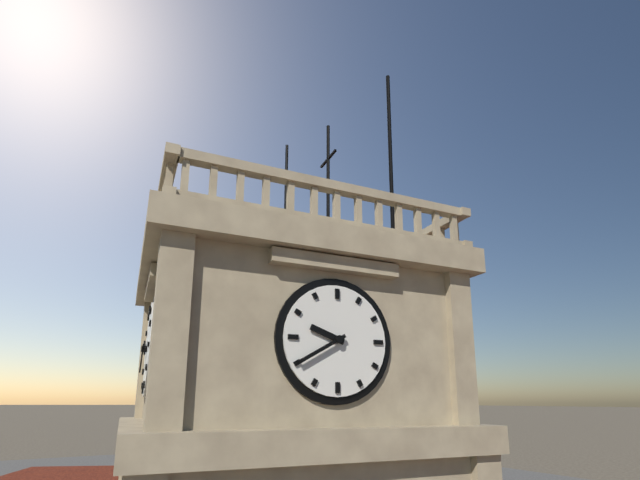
**9:40**
